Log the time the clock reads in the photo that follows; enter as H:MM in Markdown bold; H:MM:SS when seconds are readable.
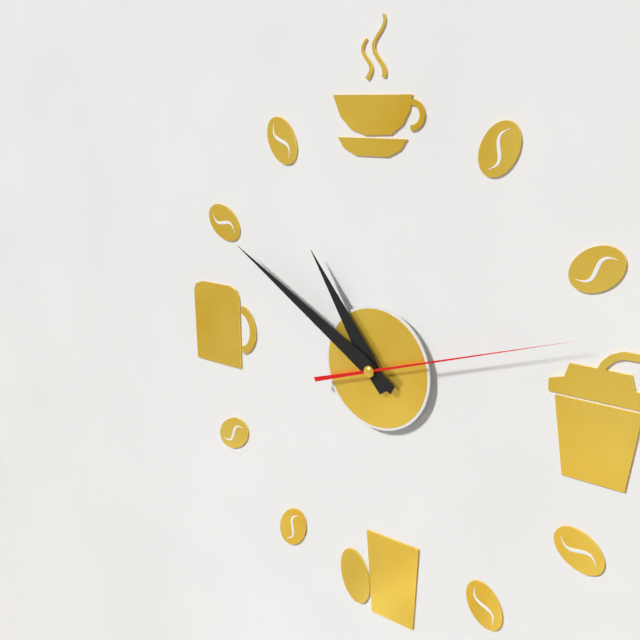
**10:50:12**
